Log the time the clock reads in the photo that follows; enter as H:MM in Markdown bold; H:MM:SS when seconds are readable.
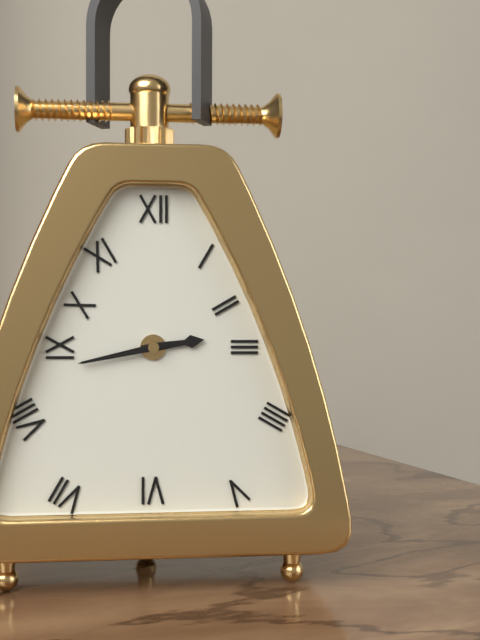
**2:43**
